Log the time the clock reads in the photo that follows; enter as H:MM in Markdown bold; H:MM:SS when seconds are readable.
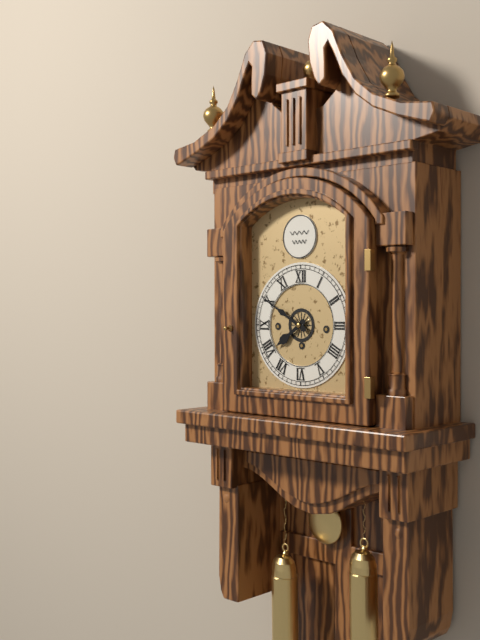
**7:50**
